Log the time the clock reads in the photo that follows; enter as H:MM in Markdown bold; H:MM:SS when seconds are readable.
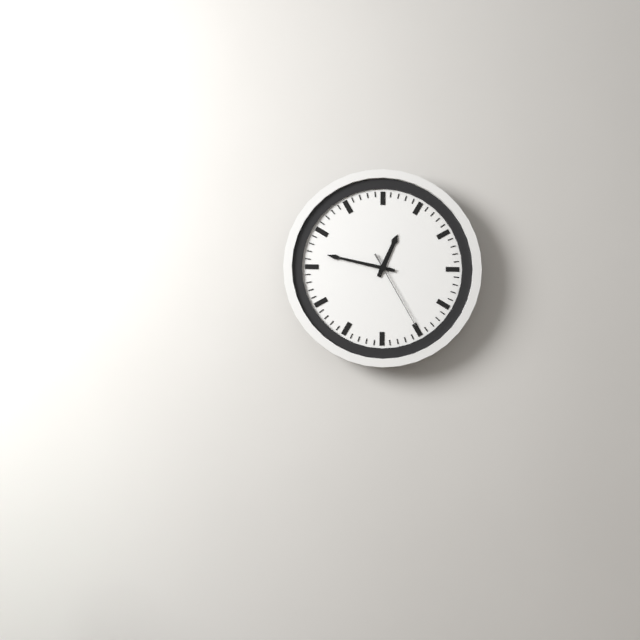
**12:47:25**
